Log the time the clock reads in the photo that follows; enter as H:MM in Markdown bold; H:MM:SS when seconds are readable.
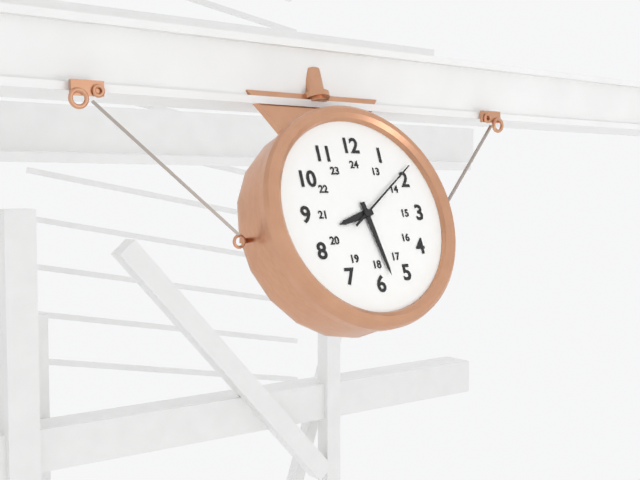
**8:28:09**
